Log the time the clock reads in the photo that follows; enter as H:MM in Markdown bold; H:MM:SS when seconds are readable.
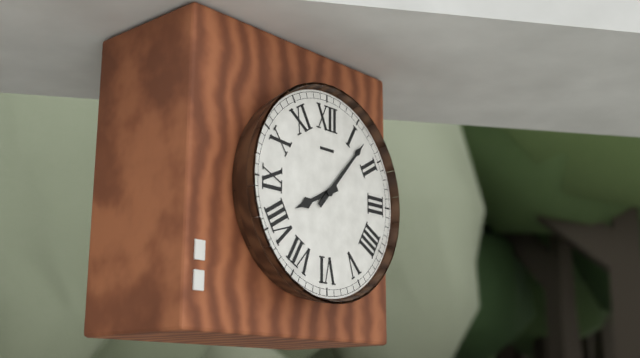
**8:07**
